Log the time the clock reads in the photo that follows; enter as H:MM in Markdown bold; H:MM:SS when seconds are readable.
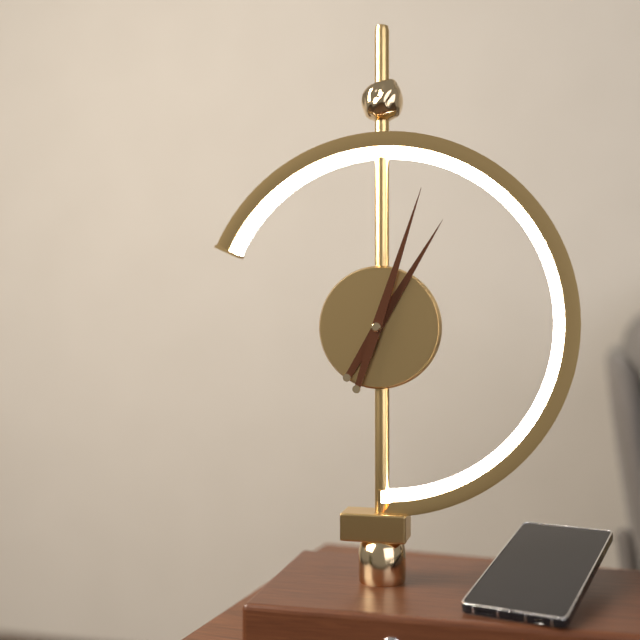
**1:03**
